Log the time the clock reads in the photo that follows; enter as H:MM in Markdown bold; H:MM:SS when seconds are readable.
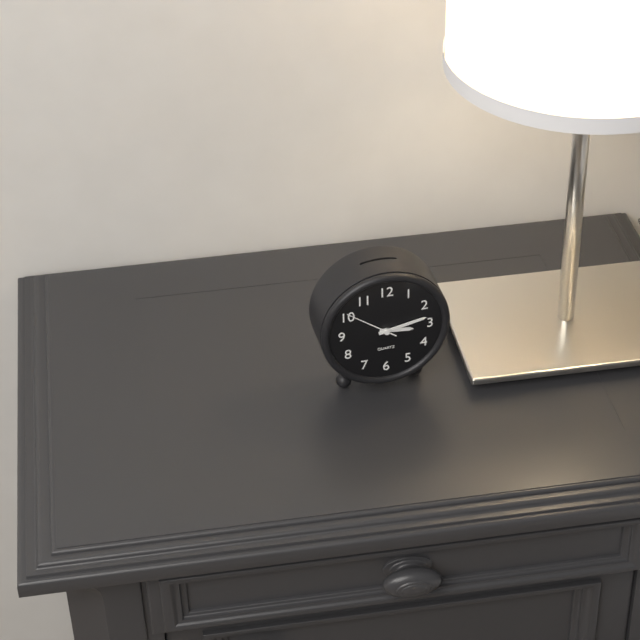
**3:13:51**
